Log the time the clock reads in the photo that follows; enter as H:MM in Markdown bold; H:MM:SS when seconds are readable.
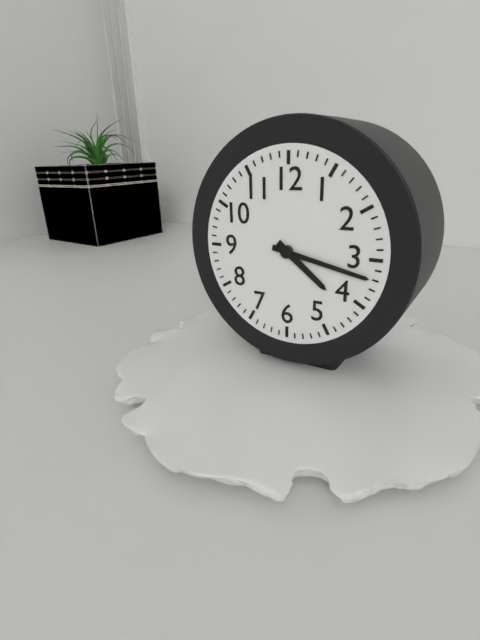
**4:17**
